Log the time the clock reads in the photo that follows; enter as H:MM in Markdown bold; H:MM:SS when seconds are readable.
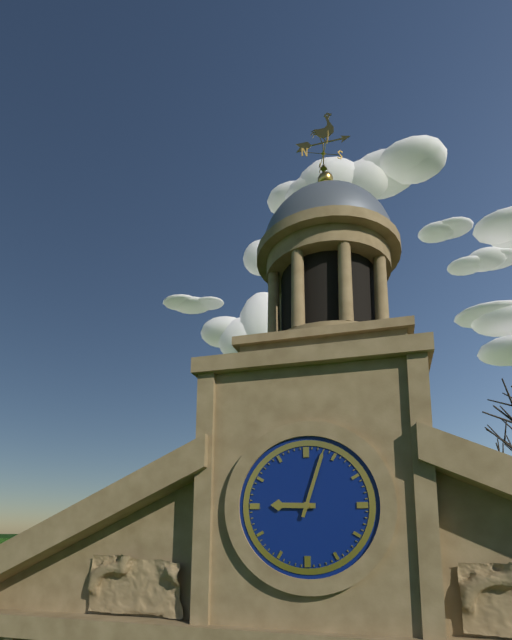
**9:03**
